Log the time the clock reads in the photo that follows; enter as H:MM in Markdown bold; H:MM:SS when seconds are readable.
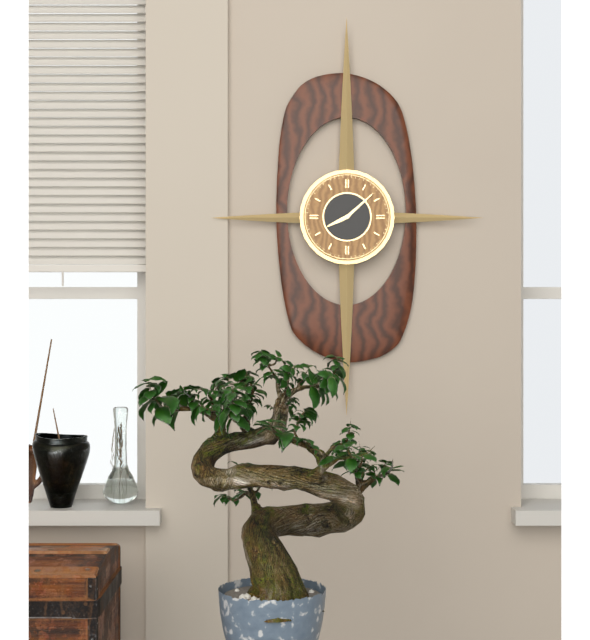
**8:08**
